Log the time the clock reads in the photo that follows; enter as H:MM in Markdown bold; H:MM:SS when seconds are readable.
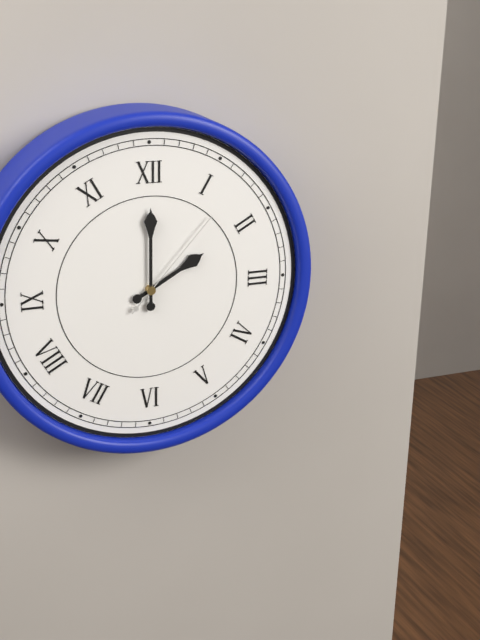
**2:00:07**
